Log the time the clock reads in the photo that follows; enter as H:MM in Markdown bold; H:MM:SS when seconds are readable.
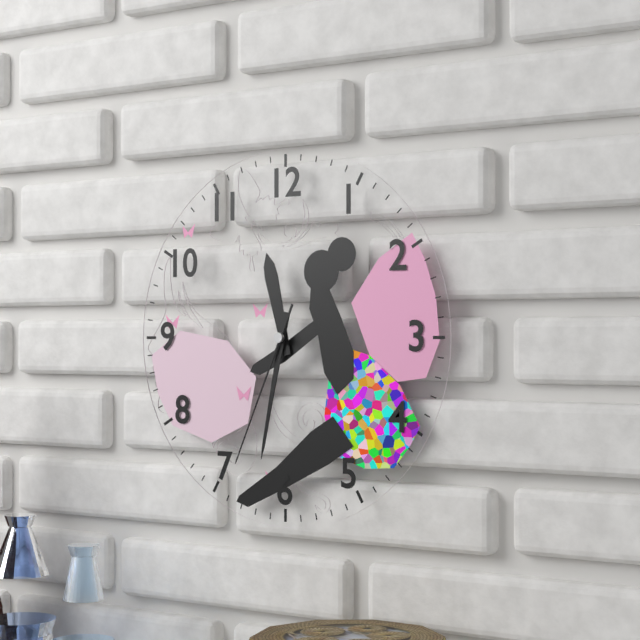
**11:32:34**
